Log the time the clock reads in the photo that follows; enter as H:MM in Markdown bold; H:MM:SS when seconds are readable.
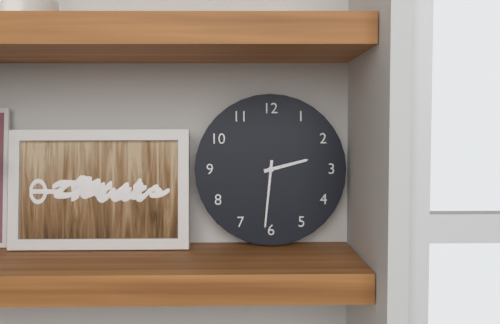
**2:31**
